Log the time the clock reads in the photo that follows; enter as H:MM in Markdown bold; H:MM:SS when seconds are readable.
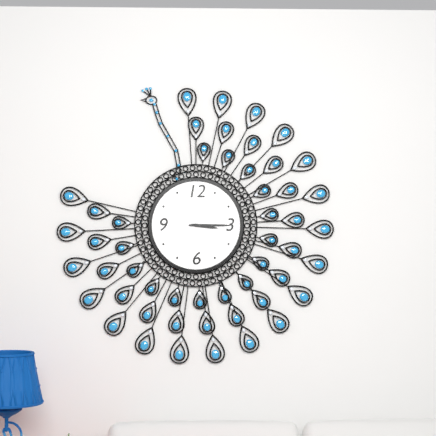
**3:15**
